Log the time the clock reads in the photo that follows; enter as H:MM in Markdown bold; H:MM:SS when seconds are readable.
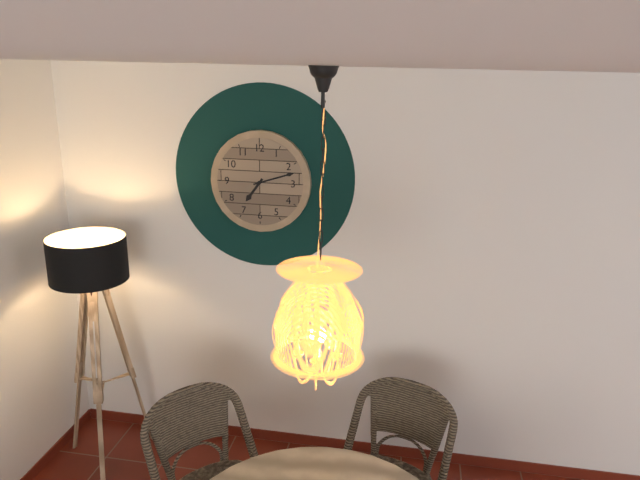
**7:12**
